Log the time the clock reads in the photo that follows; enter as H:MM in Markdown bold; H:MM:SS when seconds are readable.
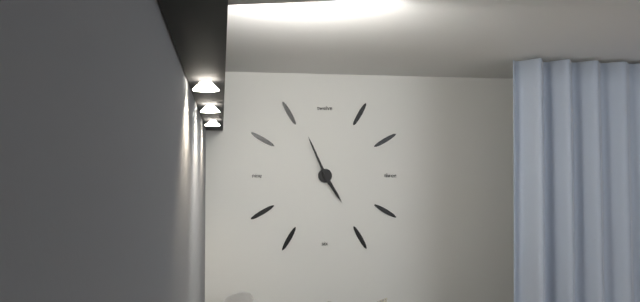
**4:56**
